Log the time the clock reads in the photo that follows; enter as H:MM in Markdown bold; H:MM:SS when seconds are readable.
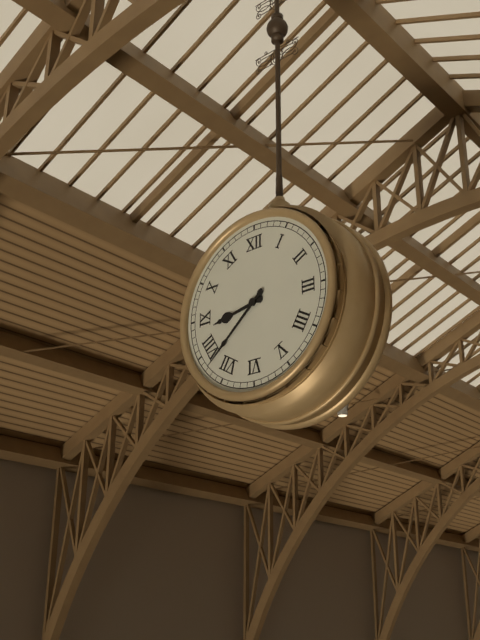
**8:38**
